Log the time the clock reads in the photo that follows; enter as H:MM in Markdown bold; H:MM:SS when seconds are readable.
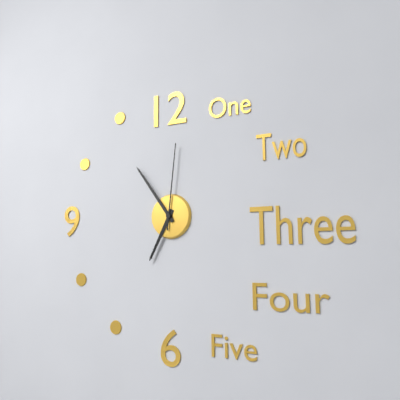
**6:54:01**
